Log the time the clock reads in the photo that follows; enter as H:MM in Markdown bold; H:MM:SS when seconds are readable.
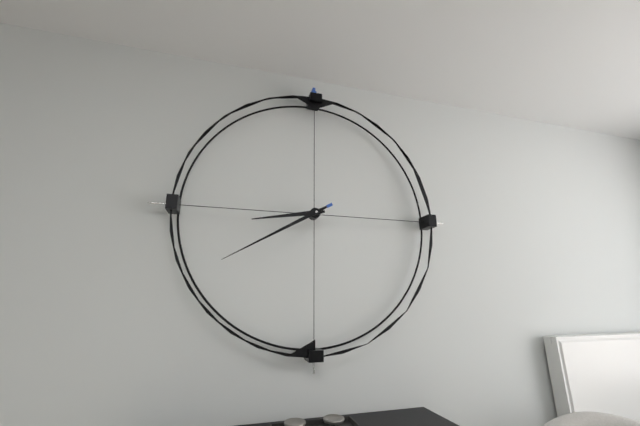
**8:40**
